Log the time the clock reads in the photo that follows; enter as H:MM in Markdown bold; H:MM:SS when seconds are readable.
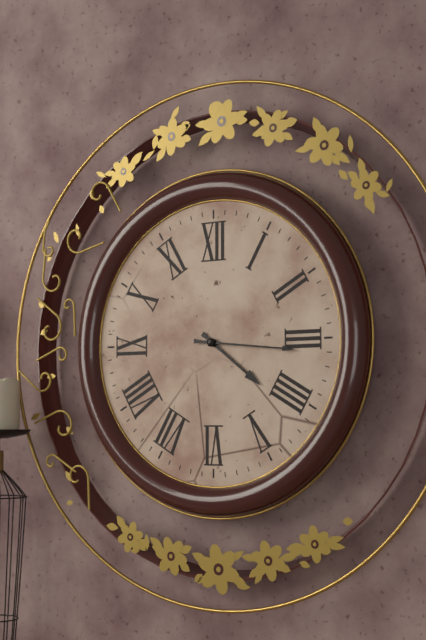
**4:16**
